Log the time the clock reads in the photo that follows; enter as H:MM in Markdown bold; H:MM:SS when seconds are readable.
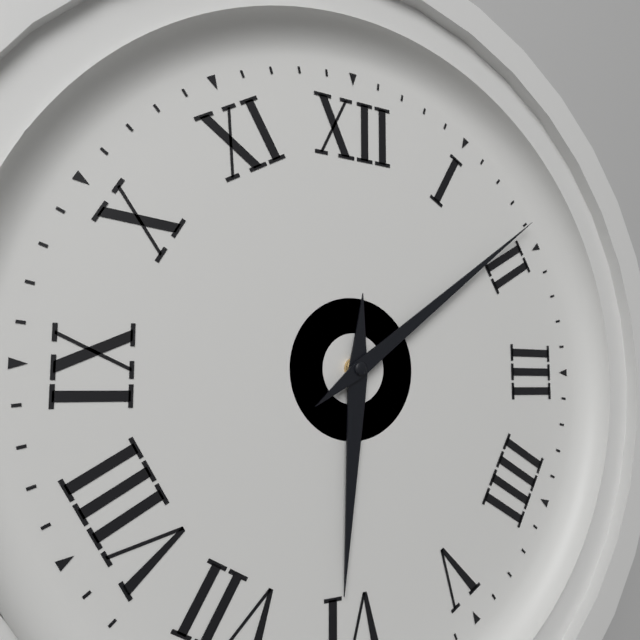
**6:09**
